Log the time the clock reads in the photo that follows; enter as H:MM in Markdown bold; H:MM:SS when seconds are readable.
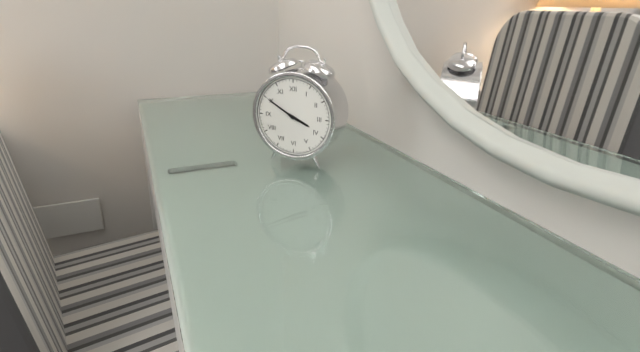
**3:50**
